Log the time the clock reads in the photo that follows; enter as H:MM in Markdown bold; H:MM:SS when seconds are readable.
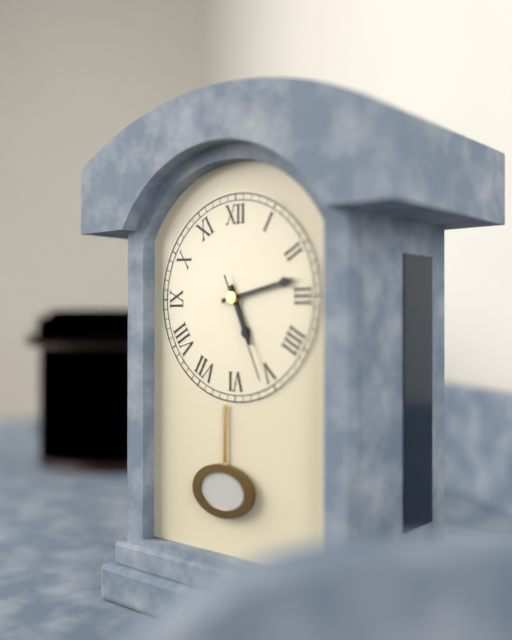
**5:13:26**
